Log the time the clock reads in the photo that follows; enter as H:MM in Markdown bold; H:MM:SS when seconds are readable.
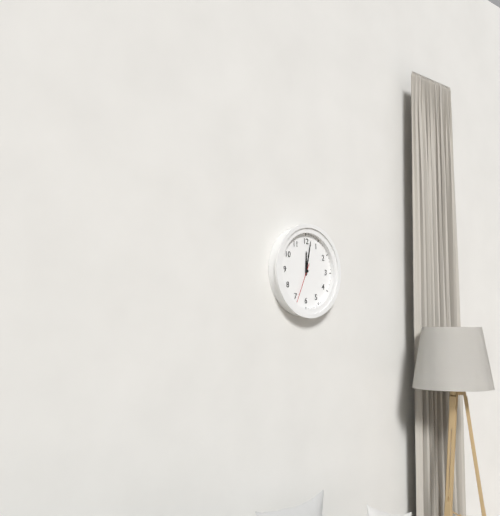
**12:02**
